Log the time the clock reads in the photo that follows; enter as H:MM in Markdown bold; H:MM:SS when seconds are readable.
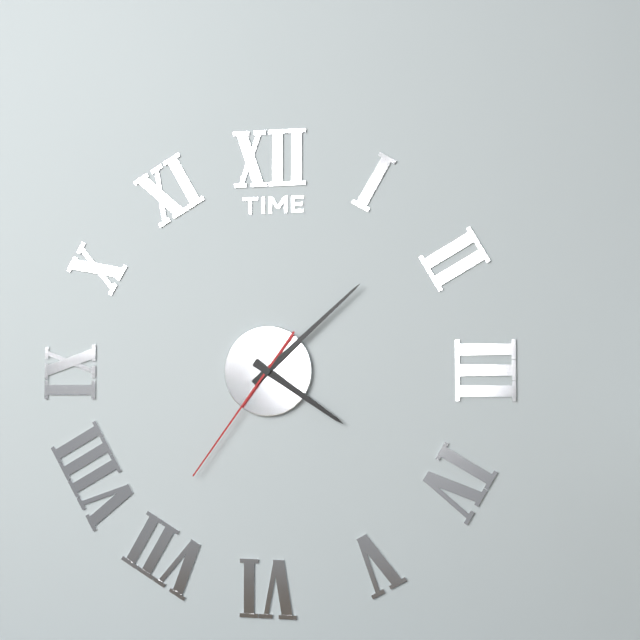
**4:08:36**
